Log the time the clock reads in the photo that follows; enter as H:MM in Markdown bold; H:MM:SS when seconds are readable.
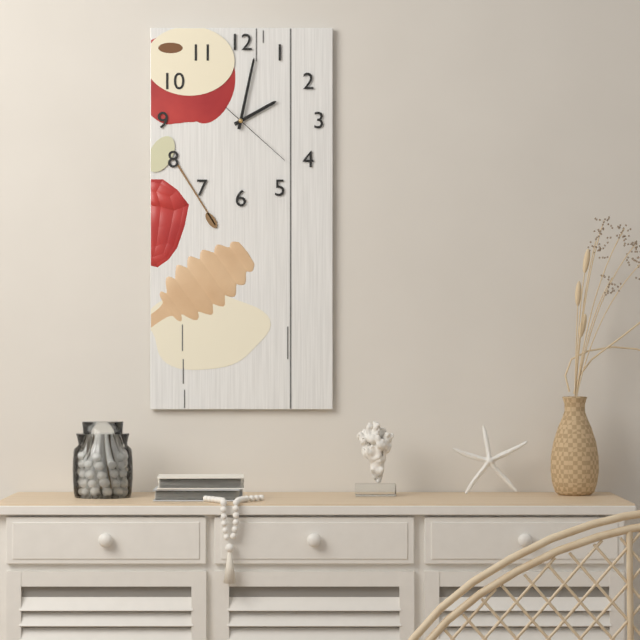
**2:02:22**
